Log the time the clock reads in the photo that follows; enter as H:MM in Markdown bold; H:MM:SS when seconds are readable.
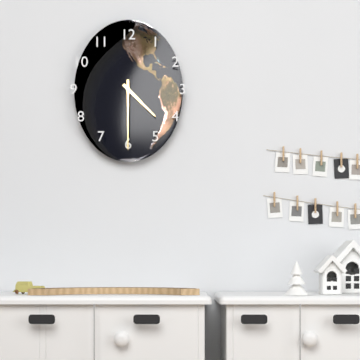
**4:30**
